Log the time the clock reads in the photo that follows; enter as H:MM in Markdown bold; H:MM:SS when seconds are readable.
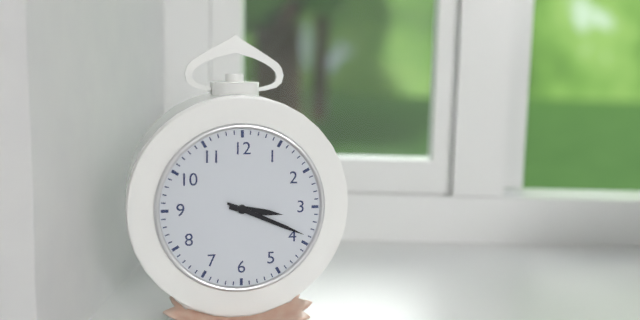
**3:19**
